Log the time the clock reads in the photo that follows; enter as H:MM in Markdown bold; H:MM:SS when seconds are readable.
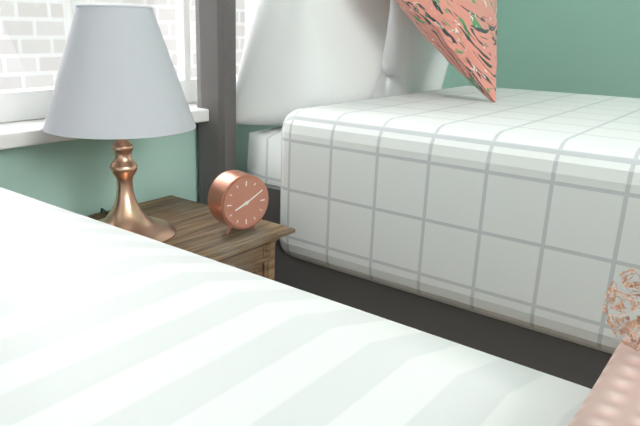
**8:10**
